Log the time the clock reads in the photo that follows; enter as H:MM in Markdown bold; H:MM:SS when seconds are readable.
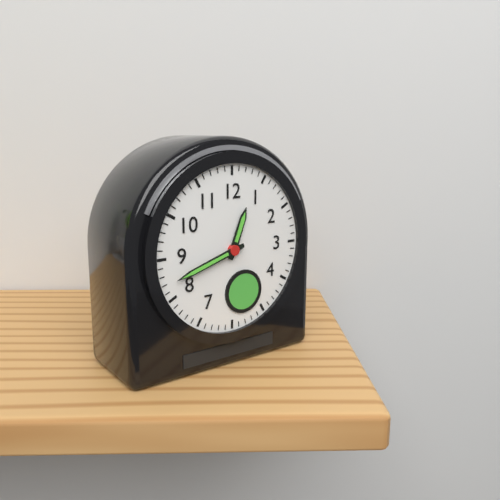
**12:42**
